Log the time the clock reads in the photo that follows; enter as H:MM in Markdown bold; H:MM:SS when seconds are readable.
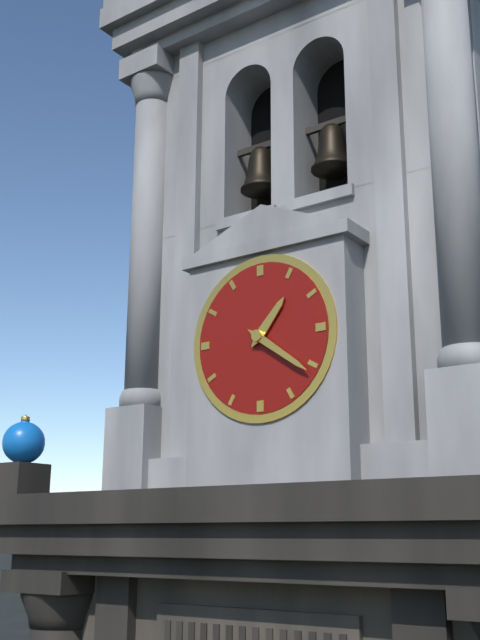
**1:21**
